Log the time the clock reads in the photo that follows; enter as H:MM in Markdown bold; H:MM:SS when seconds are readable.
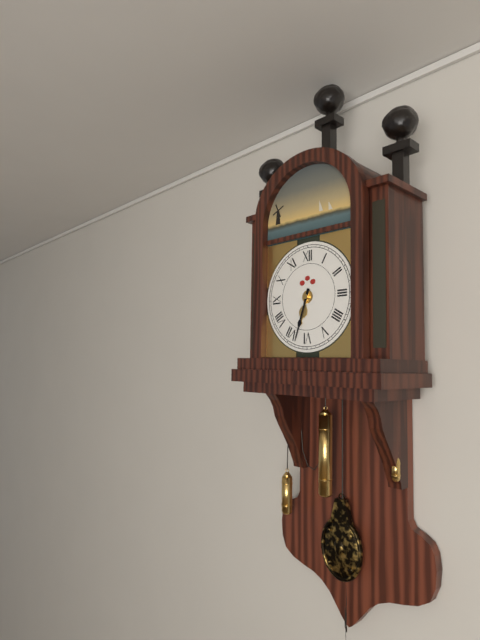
**6:33**
